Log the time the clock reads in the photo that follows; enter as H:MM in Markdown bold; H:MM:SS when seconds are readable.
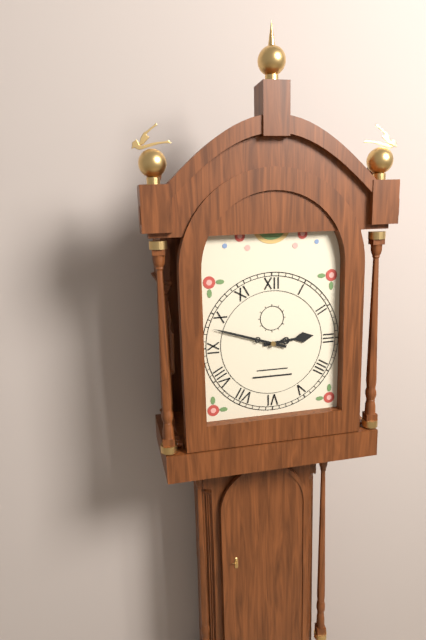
**2:48**
